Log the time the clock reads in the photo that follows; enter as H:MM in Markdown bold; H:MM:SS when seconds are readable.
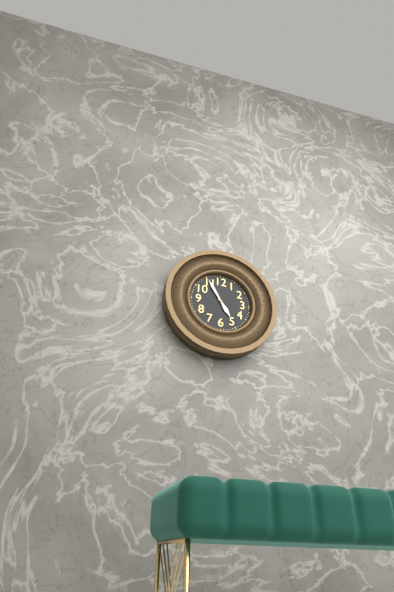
**4:55**
